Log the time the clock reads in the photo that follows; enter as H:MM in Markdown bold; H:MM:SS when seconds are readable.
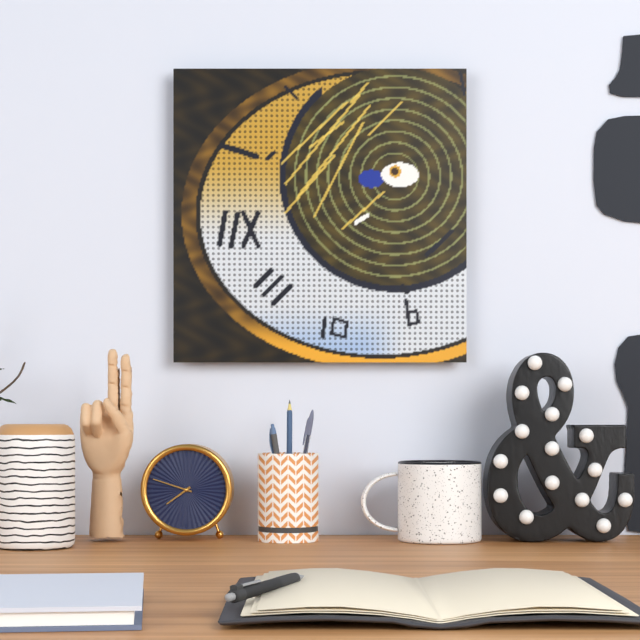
**7:48**
